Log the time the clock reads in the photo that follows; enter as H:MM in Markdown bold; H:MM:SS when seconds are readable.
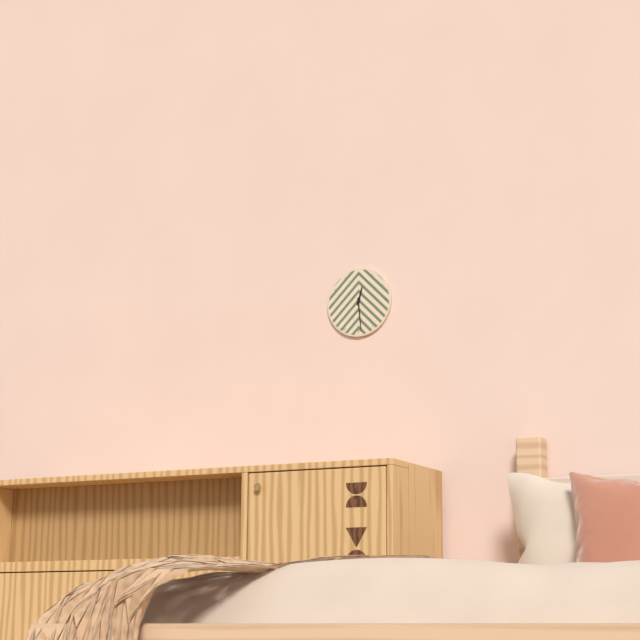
**12:29**
